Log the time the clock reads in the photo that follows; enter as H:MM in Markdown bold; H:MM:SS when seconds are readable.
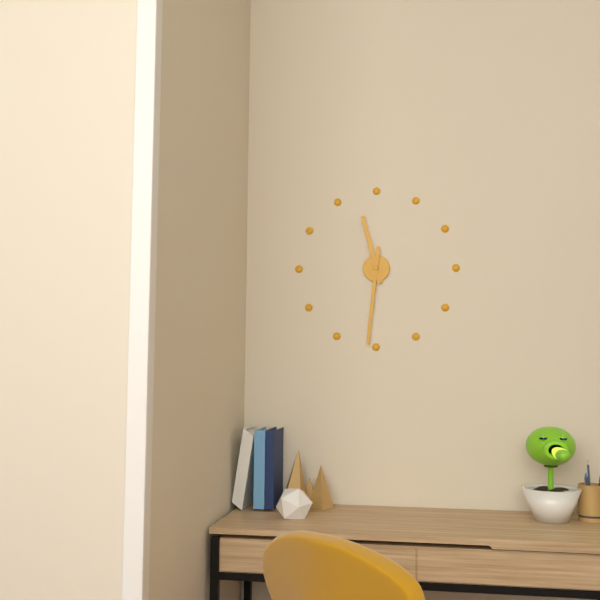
**11:31**
